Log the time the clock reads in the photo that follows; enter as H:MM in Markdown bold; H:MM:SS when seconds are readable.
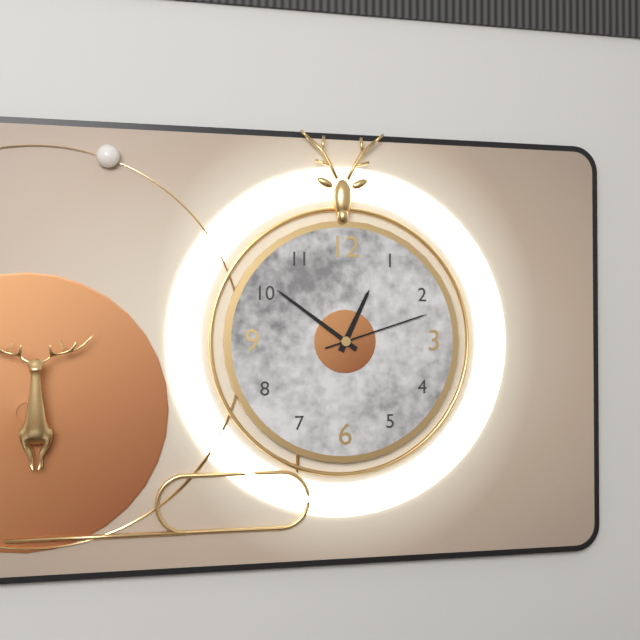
**12:51:12**
